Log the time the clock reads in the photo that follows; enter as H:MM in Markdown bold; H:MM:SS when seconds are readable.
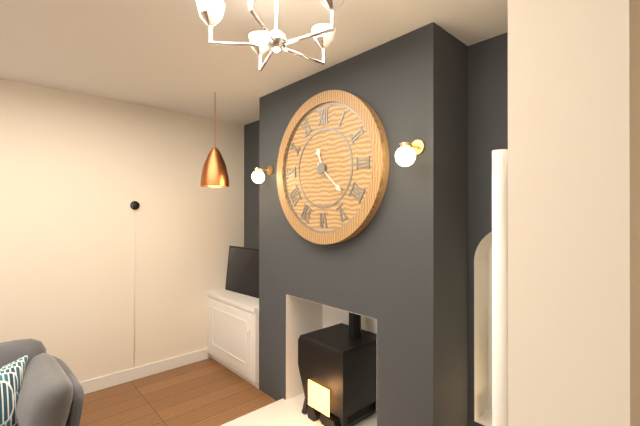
**11:22**
